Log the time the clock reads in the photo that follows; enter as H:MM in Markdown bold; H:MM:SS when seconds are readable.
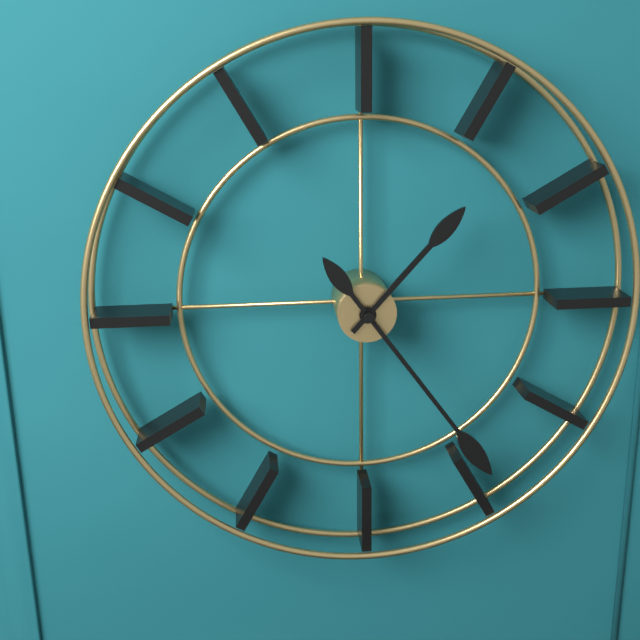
**1:24**
